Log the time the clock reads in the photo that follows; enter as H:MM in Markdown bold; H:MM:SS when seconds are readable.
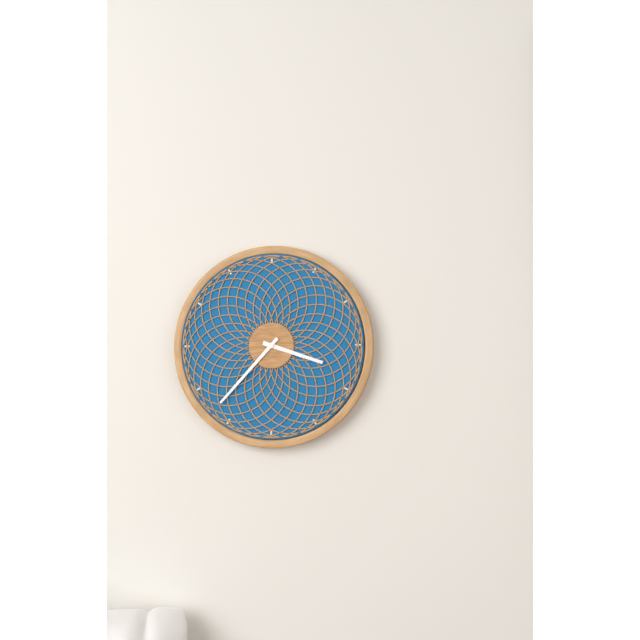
**3:37**
